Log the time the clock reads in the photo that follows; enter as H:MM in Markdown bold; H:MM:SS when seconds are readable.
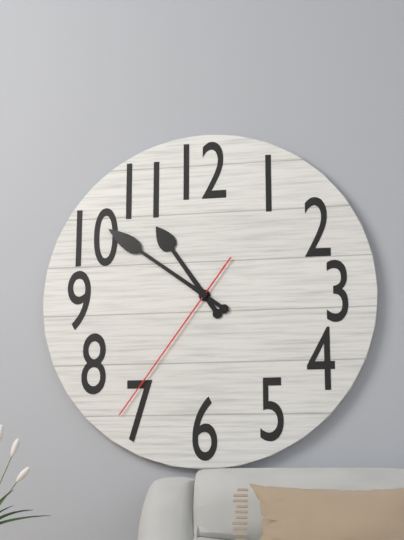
**10:51:36**
